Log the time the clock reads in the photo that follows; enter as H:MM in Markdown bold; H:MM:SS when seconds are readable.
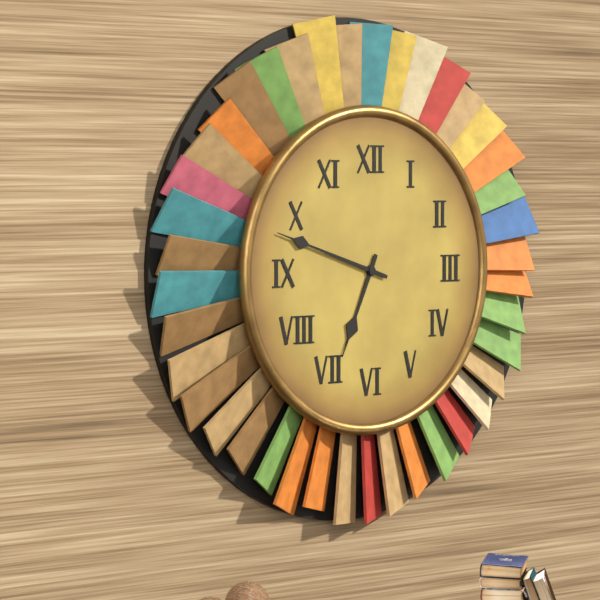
**6:48**
